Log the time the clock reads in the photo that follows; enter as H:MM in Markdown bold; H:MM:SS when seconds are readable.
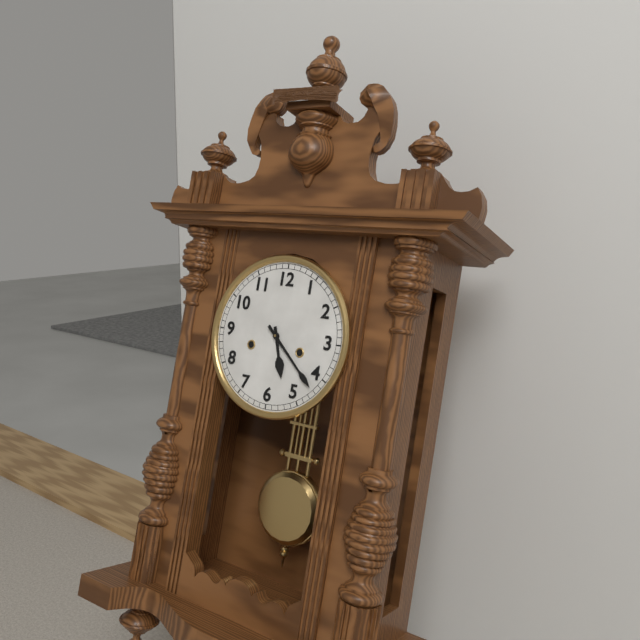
**5:22**
